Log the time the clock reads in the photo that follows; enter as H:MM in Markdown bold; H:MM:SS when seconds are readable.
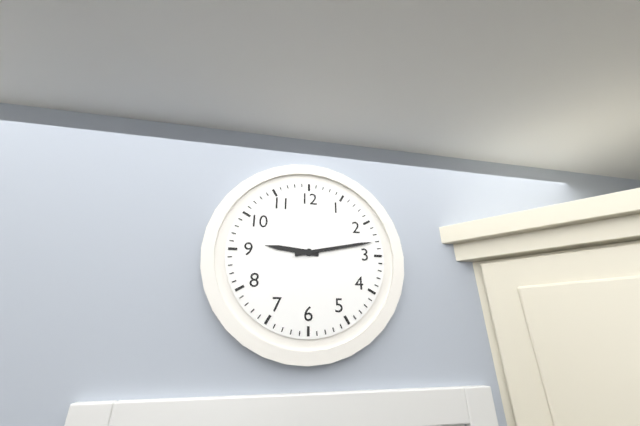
**9:13**
